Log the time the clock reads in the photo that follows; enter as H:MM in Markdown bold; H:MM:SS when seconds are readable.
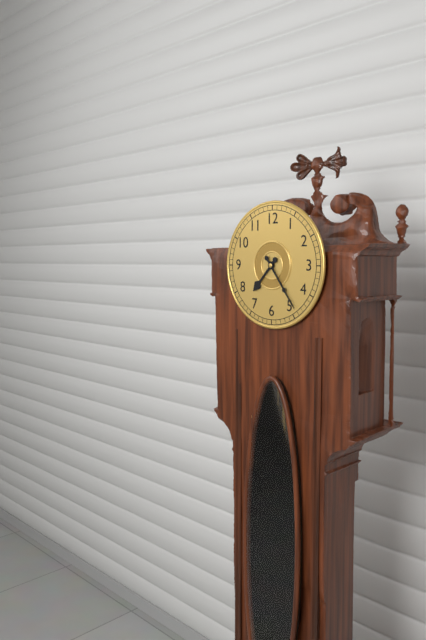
**7:24**
